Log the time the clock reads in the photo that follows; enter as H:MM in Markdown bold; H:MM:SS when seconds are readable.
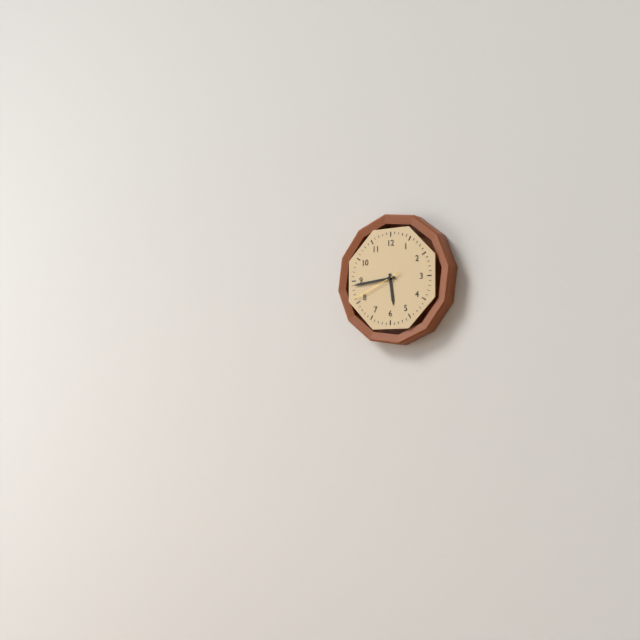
**5:44:41**
